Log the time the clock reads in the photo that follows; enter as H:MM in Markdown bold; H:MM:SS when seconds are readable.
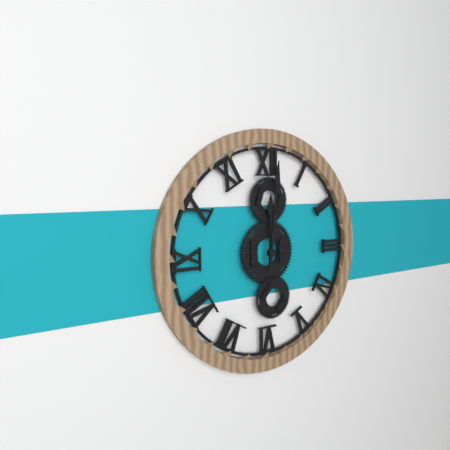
**12:01**
